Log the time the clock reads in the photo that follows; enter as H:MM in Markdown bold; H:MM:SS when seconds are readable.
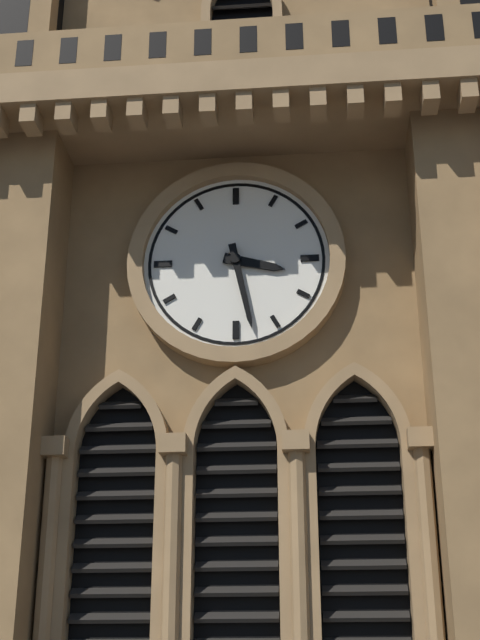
**3:28**
